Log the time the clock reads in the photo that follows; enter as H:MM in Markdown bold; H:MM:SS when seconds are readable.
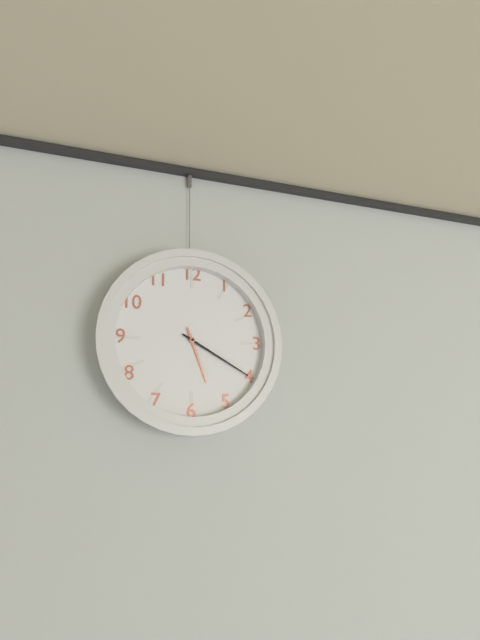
**5:20**
